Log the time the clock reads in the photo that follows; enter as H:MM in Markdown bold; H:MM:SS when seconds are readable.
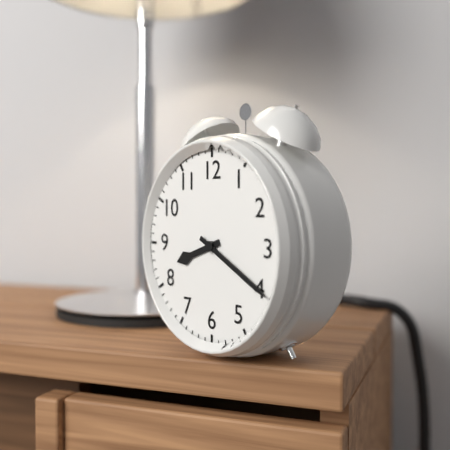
**8:20**
